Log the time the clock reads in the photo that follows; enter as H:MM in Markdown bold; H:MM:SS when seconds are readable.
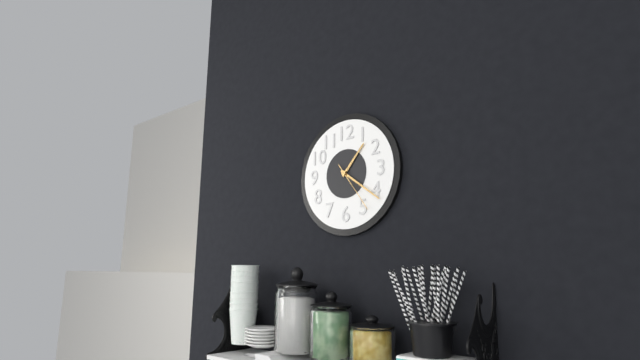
**1:21:24**
